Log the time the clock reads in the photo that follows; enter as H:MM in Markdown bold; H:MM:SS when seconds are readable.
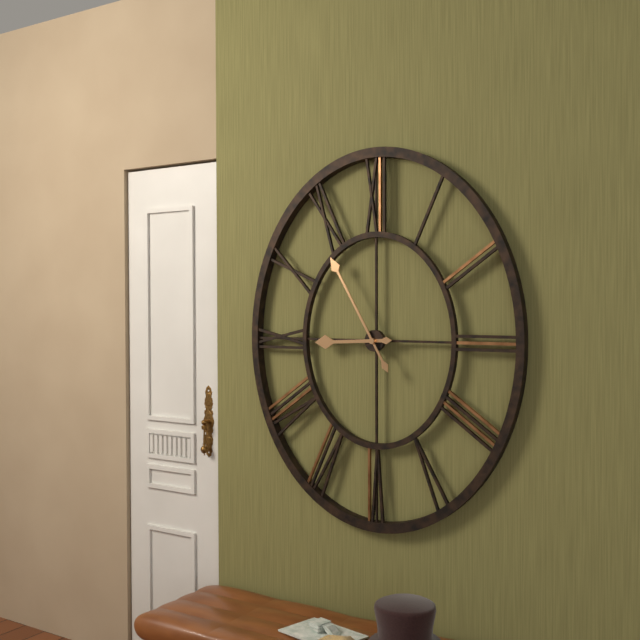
**8:55**
